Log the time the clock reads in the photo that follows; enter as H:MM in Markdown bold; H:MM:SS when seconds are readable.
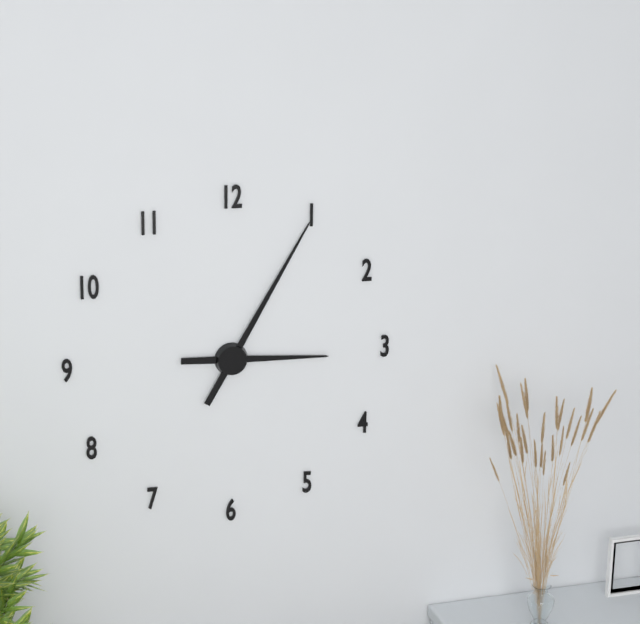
**3:05**
